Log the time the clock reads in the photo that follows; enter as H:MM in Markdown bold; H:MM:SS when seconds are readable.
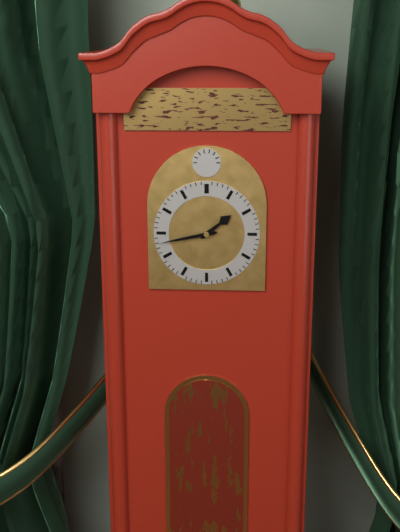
**1:43**
